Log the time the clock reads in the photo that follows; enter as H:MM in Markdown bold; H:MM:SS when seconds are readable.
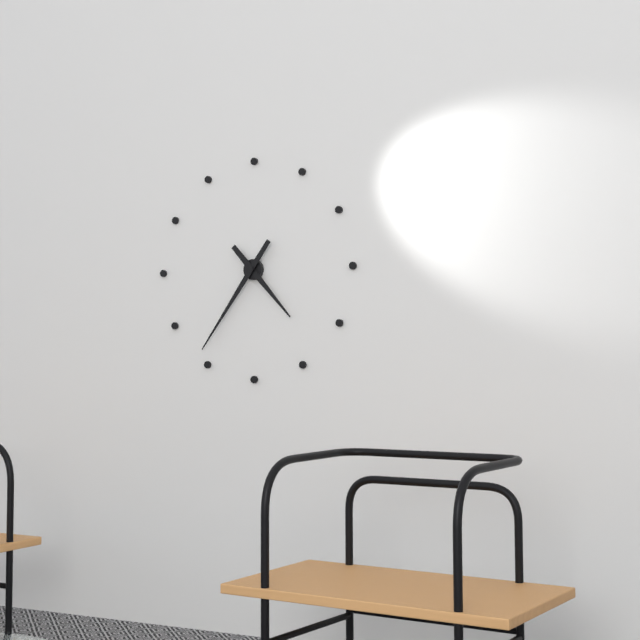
**4:36**
